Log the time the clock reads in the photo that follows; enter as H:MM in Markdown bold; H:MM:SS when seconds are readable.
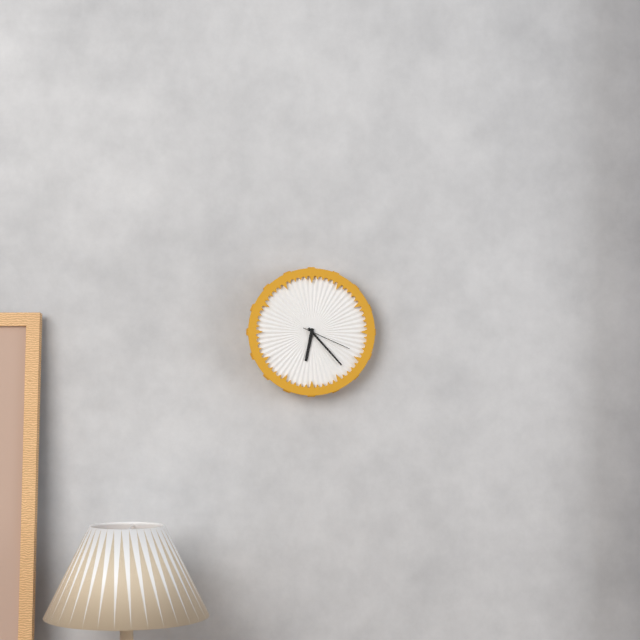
**6:23:19**
